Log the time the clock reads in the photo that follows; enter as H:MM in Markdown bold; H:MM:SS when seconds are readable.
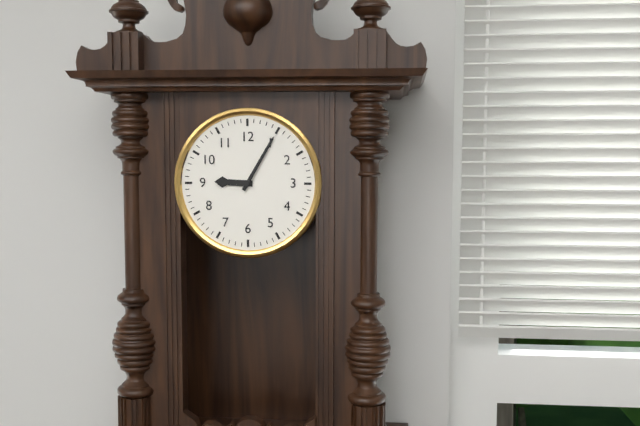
**9:05**
